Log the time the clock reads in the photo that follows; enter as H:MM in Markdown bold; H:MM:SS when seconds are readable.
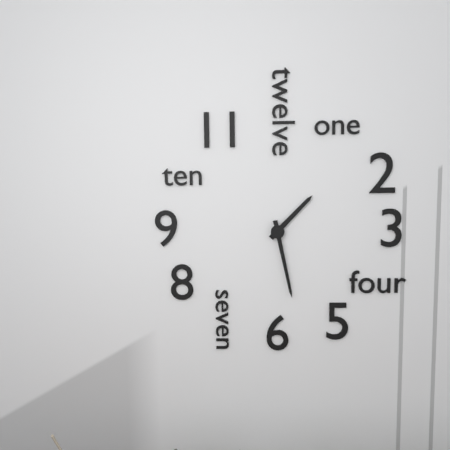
**1:28**
